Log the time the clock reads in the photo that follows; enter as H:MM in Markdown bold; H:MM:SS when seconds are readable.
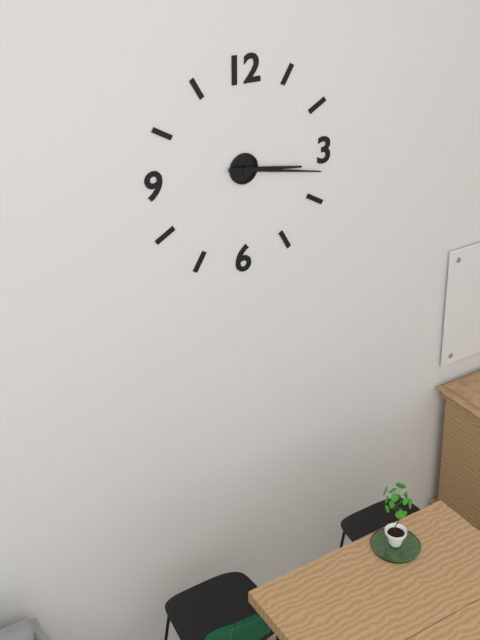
**3:17**
